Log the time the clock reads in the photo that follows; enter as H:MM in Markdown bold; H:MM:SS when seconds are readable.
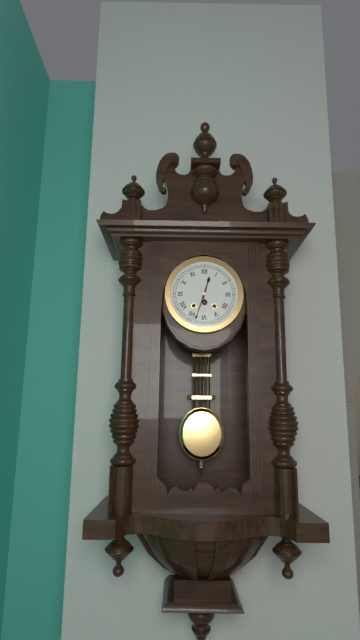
**12:33**
